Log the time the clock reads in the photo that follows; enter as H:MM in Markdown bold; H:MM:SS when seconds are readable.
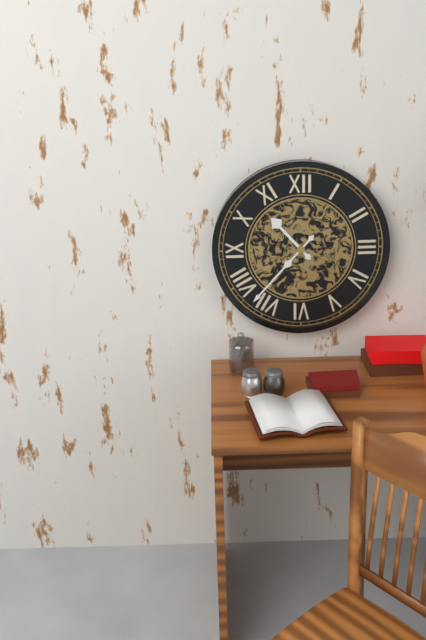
**10:37**
